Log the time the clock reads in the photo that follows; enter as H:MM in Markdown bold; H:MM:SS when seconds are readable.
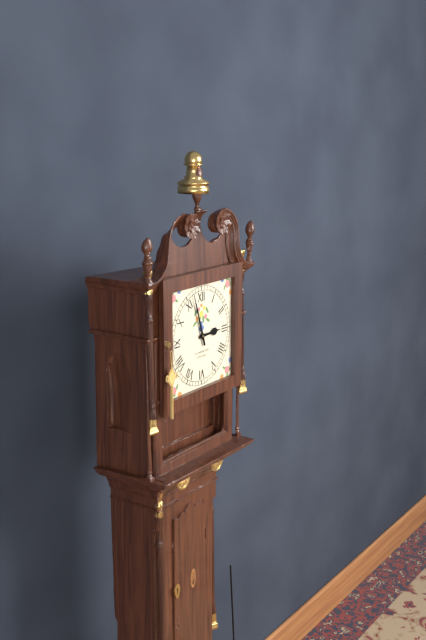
**2:57**
